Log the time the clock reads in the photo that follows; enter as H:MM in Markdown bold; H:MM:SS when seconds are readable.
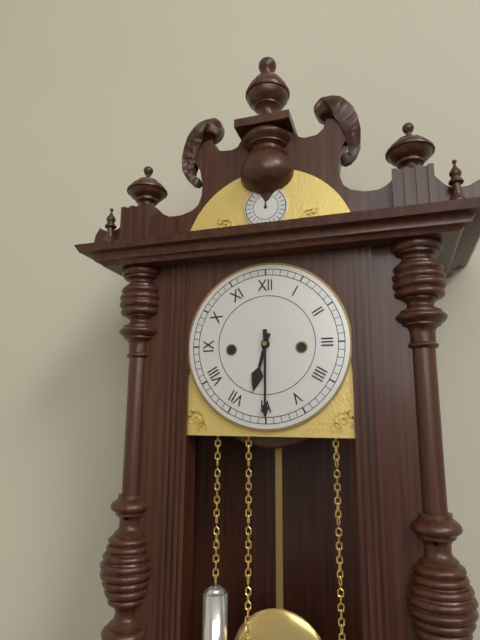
**6:30**
